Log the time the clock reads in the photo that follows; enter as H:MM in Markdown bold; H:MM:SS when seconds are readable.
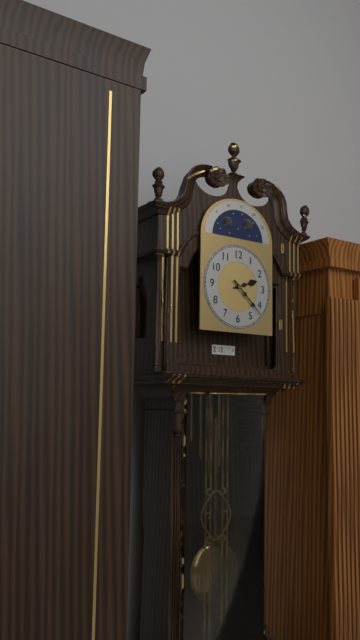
**2:22**
